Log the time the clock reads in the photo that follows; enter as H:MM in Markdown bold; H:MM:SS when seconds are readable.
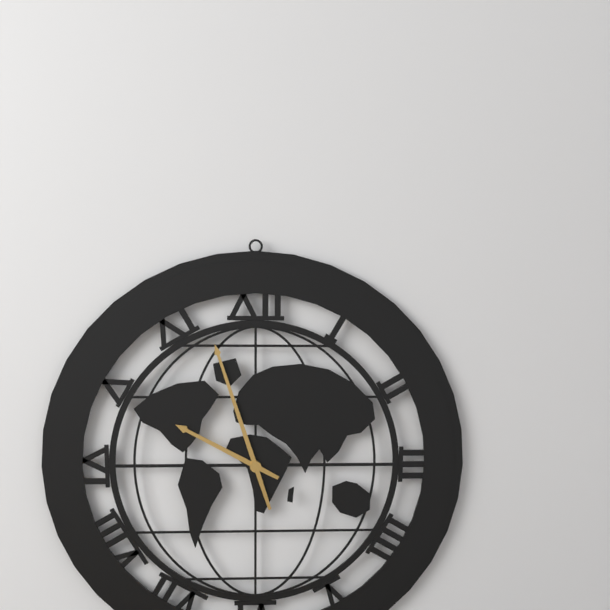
**9:57**
